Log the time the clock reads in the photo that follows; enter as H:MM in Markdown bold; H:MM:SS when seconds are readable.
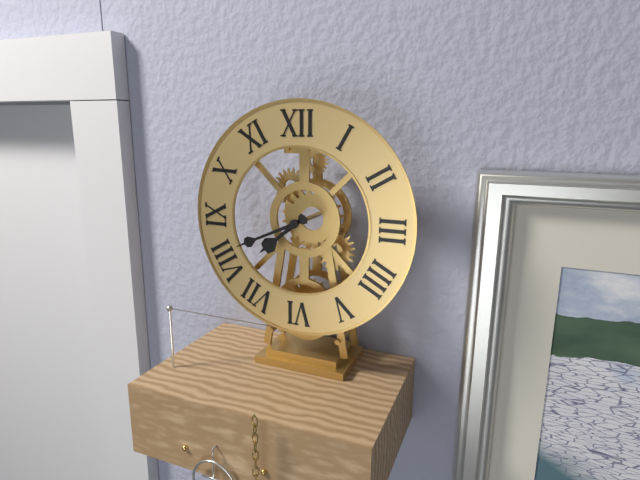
**7:41**
